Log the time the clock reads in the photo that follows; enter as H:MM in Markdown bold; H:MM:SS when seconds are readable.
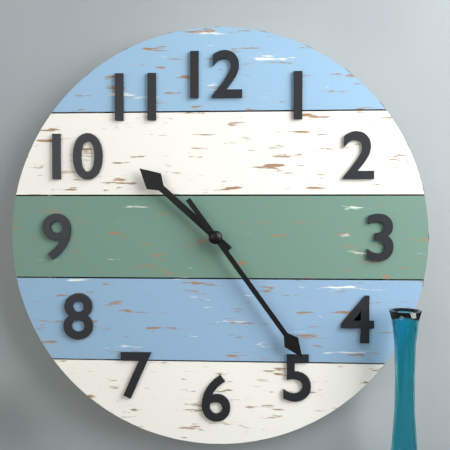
**10:24**
